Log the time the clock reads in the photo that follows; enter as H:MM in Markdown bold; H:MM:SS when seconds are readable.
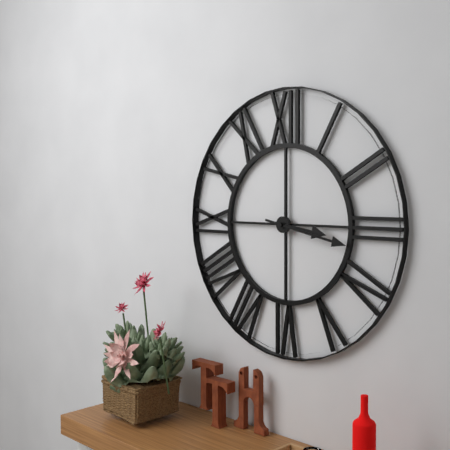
**3:17**
